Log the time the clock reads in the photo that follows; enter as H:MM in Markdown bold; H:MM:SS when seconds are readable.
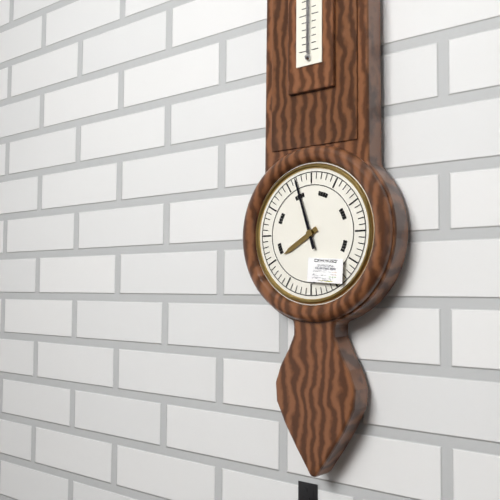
**7:57**
